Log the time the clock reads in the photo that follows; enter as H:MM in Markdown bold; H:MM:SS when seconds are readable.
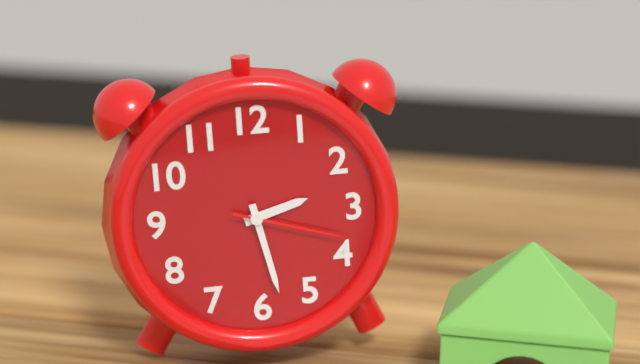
**2:28:18**
